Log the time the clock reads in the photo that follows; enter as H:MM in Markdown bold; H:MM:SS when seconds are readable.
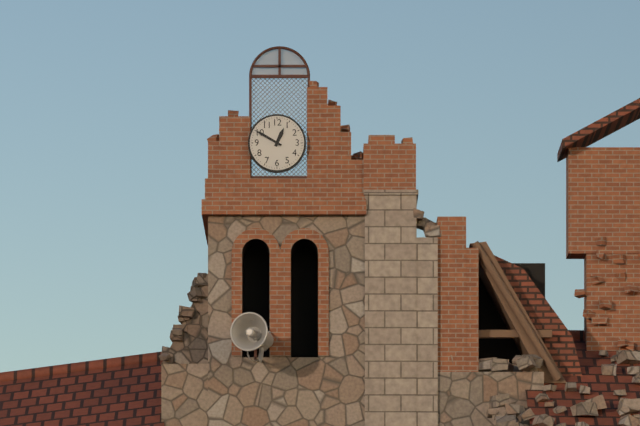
**12:50**
